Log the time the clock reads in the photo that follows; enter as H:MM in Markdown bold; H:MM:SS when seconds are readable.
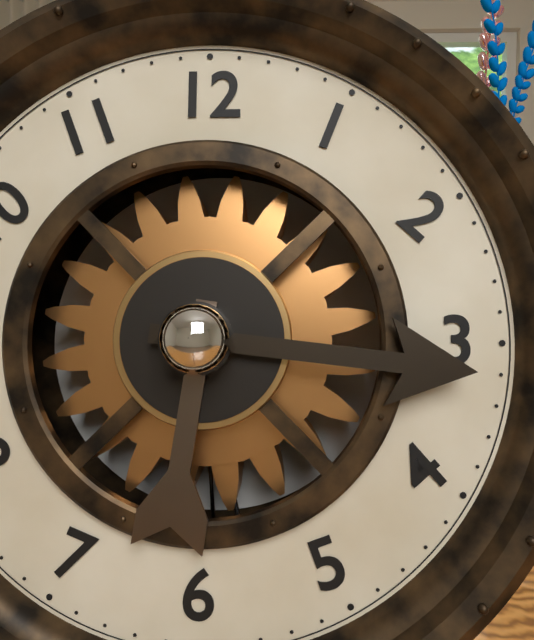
**6:16**
